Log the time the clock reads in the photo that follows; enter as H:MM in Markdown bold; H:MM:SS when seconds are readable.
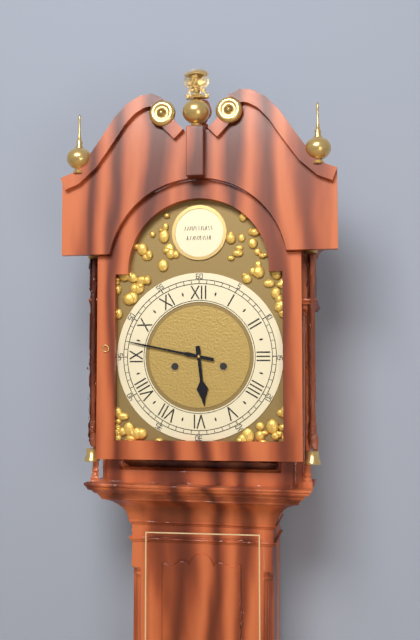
**5:47**
